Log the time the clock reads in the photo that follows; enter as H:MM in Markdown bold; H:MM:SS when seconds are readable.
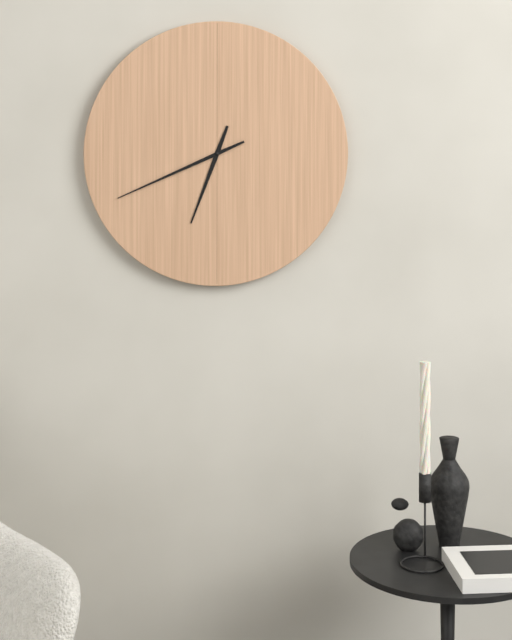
**6:41**
